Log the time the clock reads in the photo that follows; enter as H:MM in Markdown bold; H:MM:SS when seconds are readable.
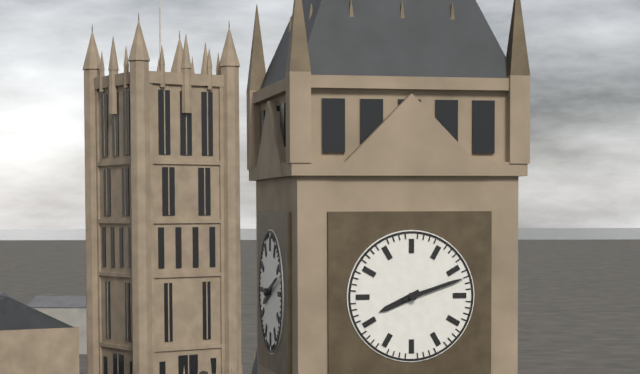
**8:12**
